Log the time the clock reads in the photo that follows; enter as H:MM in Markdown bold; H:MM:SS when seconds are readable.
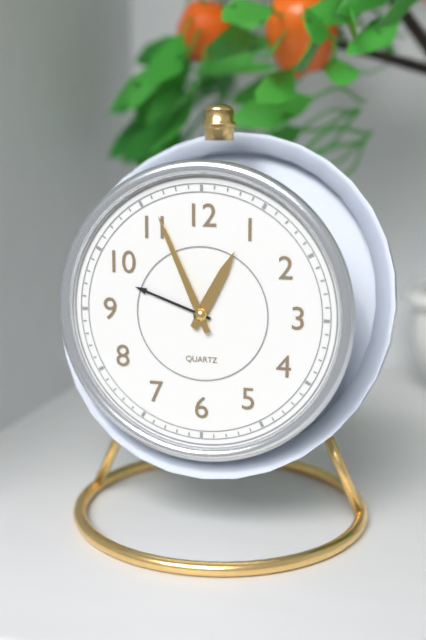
**12:56**
